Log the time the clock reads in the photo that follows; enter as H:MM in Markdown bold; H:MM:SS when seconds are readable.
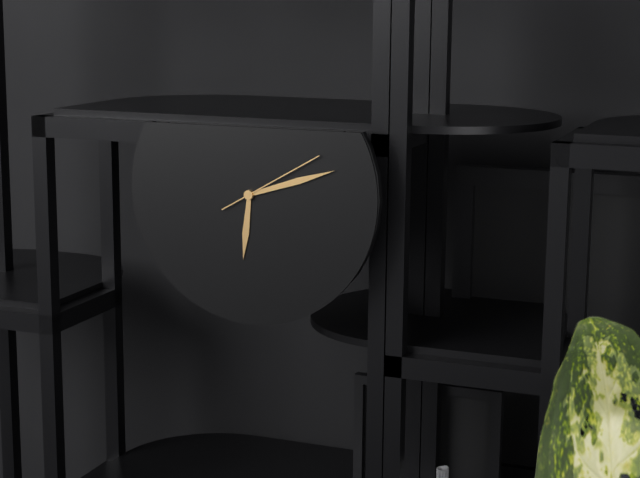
**6:12:10**
